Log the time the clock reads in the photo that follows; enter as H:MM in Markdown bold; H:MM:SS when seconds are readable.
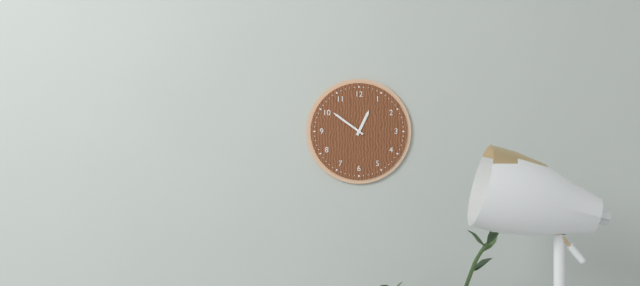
**12:51**
